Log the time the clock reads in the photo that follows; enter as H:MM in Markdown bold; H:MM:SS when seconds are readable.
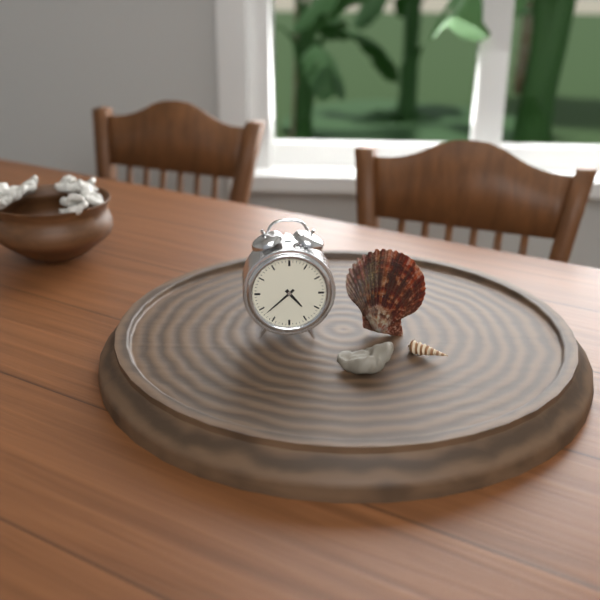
**4:38**
